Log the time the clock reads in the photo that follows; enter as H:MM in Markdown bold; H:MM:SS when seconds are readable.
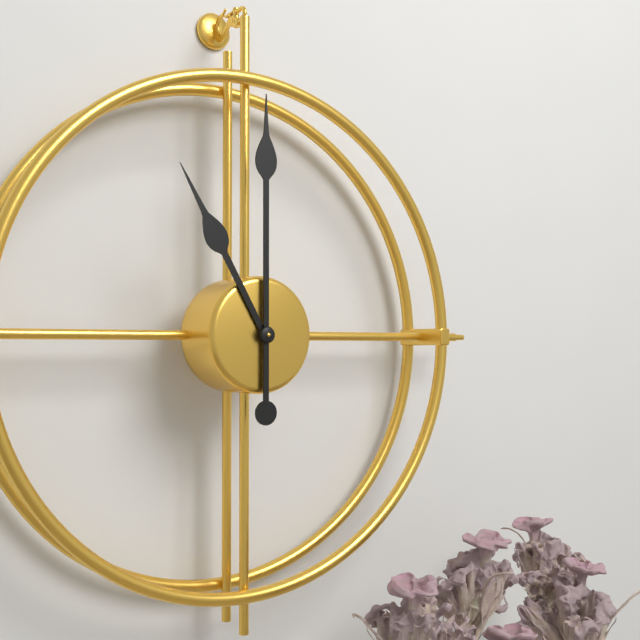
**11:00**
